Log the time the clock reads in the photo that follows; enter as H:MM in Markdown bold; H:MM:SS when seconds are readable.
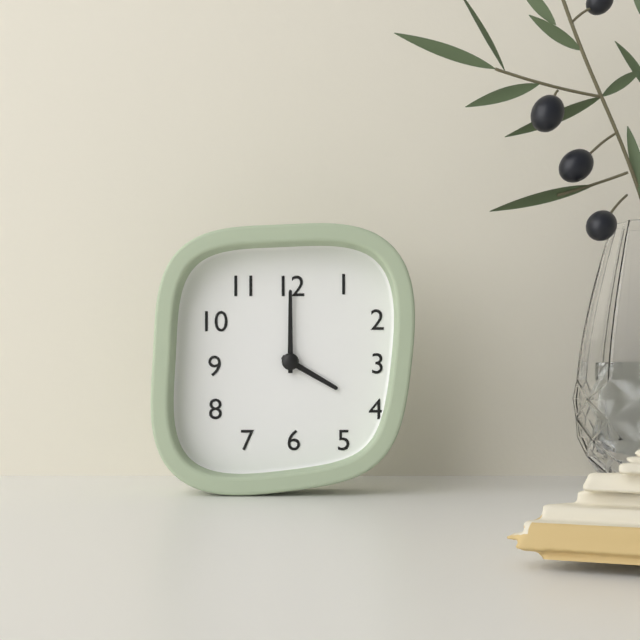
**4:00**
